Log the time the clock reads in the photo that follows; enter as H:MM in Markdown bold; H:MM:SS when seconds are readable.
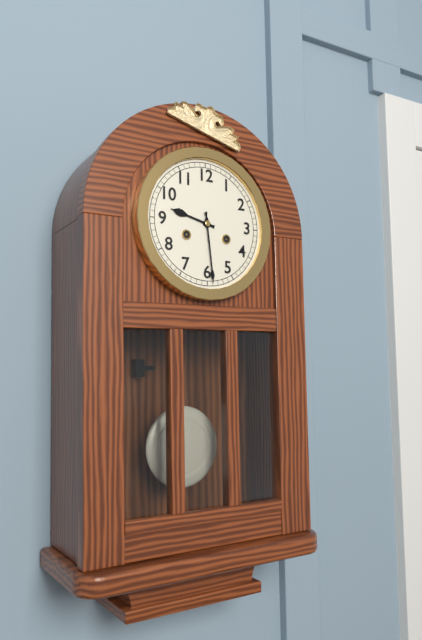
**9:29**
